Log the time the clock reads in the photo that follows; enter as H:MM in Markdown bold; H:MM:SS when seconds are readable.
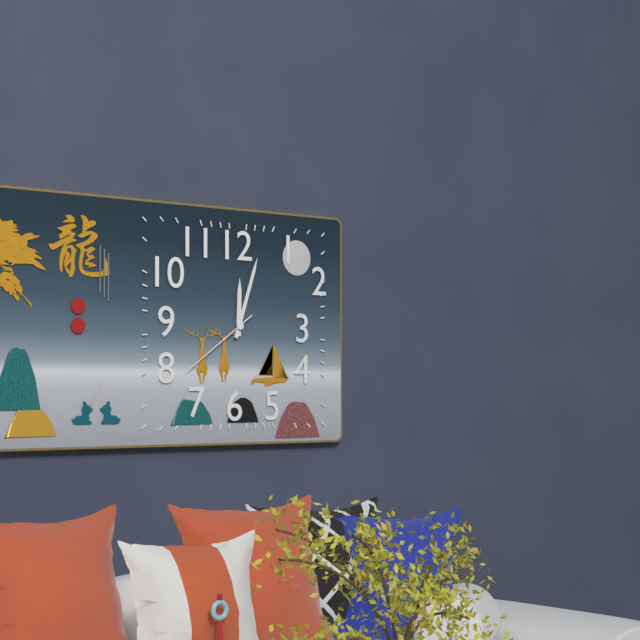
**12:03:39**
